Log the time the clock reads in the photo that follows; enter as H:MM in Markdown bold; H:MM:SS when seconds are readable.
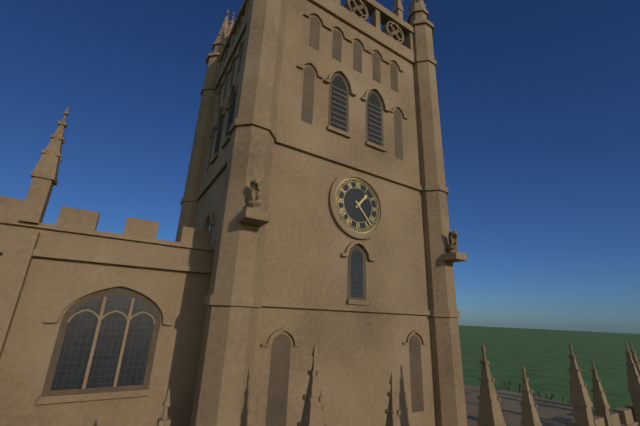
**1:23**
